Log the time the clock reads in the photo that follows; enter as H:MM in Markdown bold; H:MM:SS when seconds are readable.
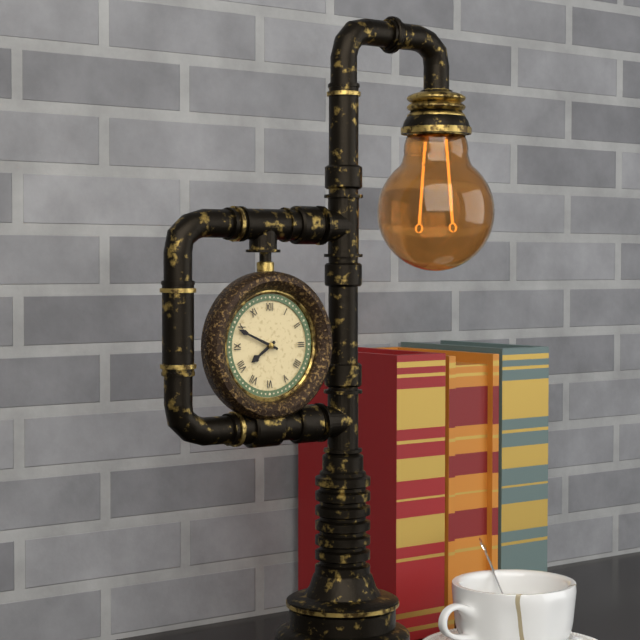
**7:49**
